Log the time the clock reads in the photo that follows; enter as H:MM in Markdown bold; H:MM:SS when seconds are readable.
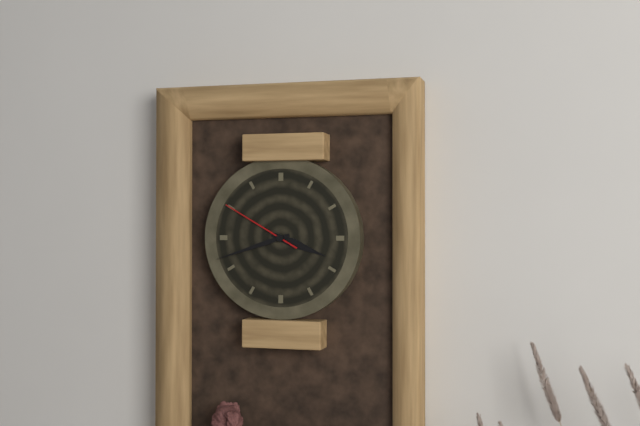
**3:42:50**
